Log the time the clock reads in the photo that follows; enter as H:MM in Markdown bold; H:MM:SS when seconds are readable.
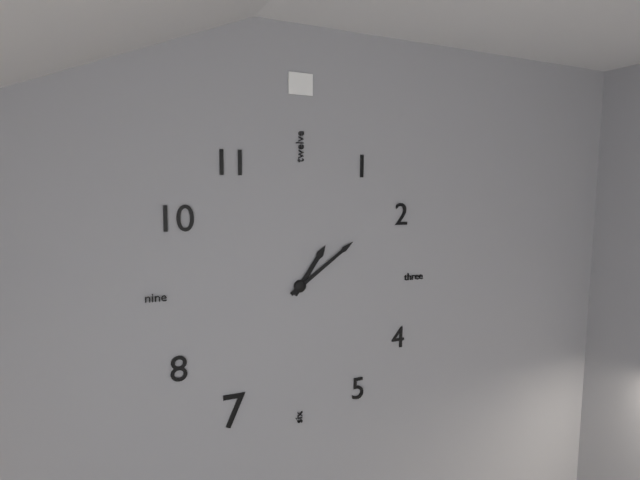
**1:09**
